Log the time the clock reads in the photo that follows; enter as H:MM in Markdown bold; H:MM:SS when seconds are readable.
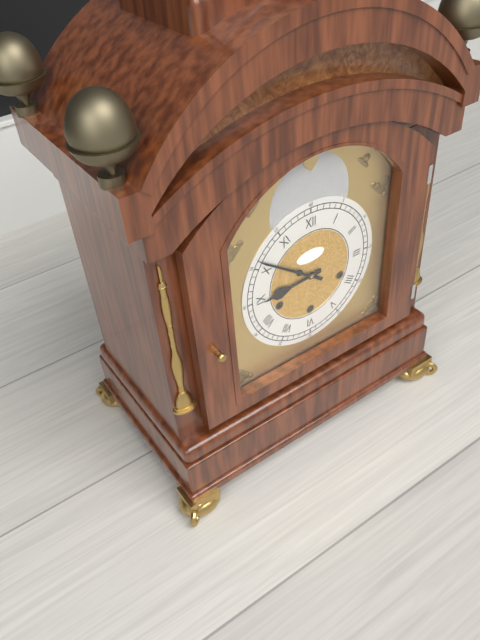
**8:51**
